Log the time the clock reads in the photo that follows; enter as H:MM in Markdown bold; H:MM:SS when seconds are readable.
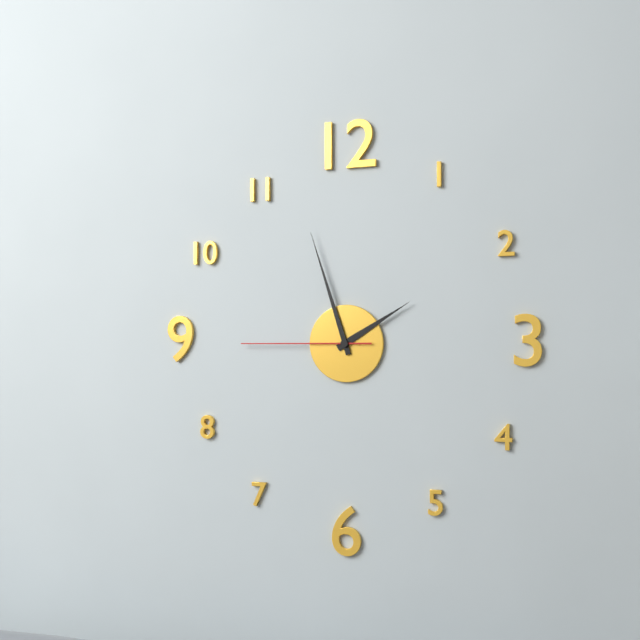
**1:57:45**
